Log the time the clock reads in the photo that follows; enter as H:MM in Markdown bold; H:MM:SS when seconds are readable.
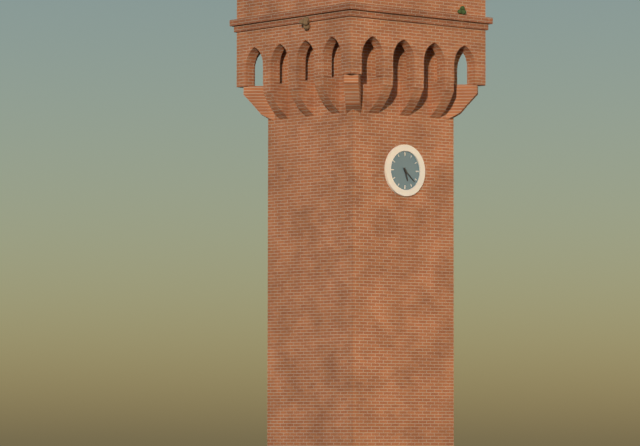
**5:22**
